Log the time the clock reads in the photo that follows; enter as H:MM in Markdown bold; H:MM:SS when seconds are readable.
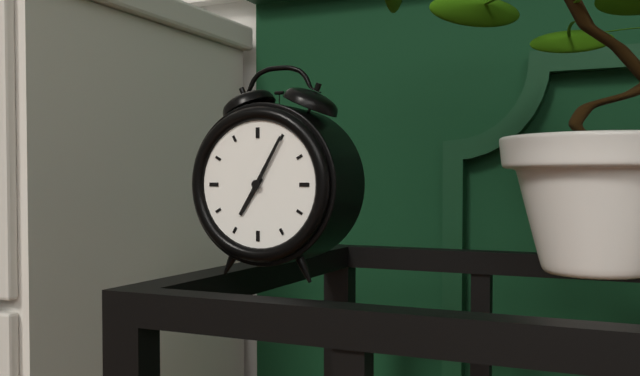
**7:05**
